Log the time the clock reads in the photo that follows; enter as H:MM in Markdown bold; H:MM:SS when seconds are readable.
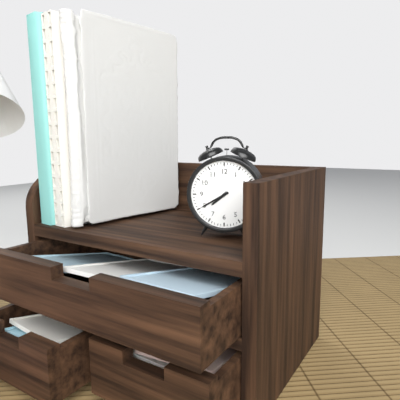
**7:40**
